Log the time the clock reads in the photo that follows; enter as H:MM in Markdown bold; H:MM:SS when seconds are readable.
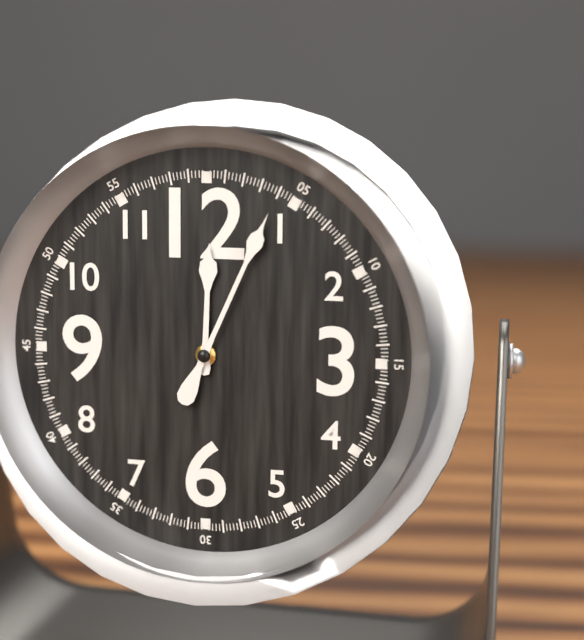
**12:04**
